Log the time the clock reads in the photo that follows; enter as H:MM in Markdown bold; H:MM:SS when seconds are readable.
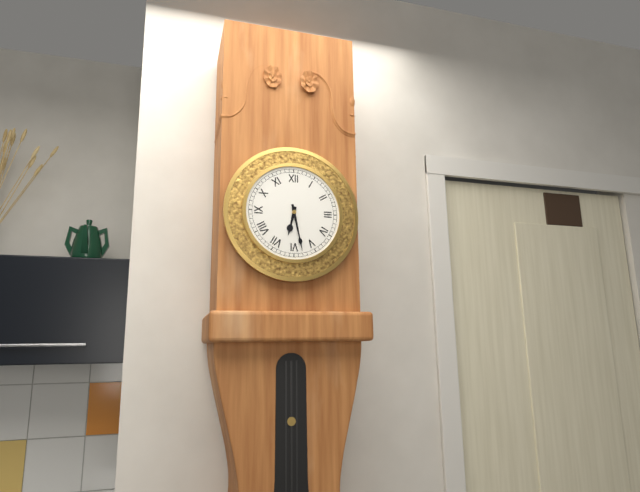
**6:28**
